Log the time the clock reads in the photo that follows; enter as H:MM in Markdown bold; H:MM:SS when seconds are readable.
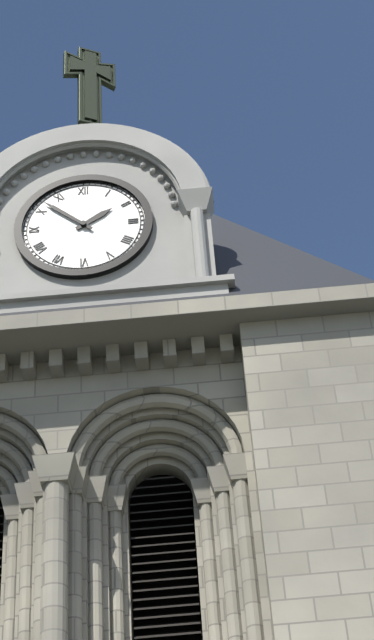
**1:52**
